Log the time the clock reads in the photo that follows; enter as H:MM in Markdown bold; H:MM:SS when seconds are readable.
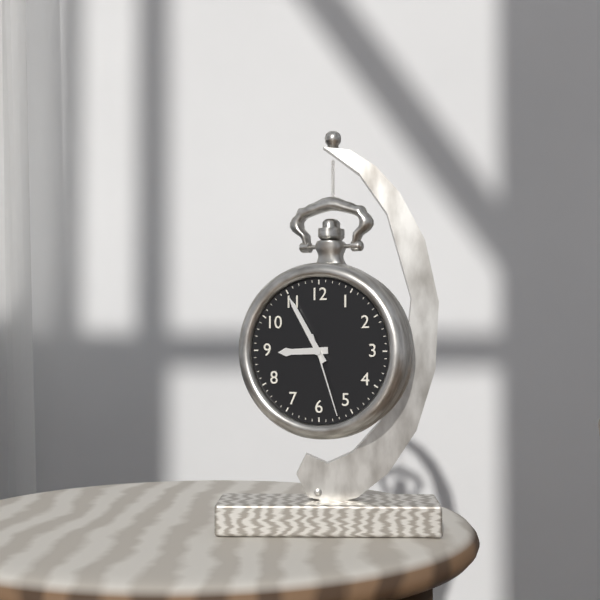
**8:55:27**
